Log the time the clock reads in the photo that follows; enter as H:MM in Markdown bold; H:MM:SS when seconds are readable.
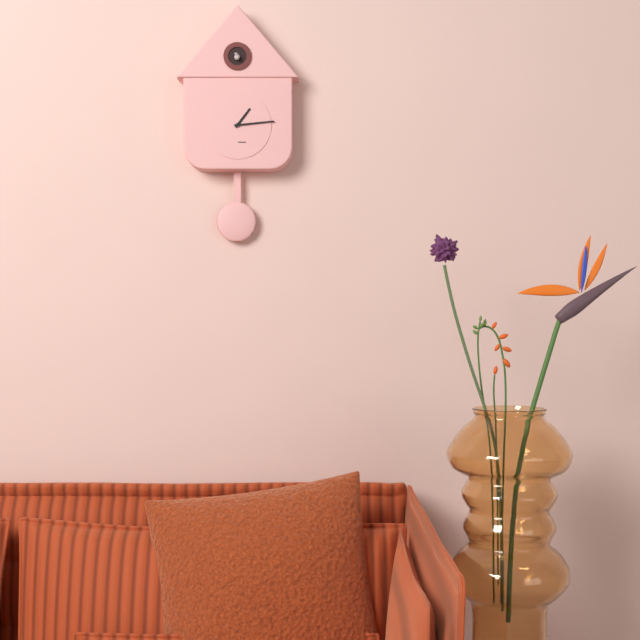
**1:14**
